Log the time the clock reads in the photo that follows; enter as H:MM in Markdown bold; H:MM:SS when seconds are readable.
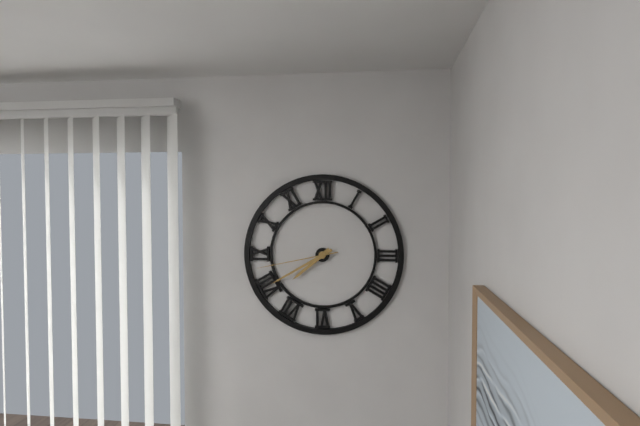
**7:40:43**
